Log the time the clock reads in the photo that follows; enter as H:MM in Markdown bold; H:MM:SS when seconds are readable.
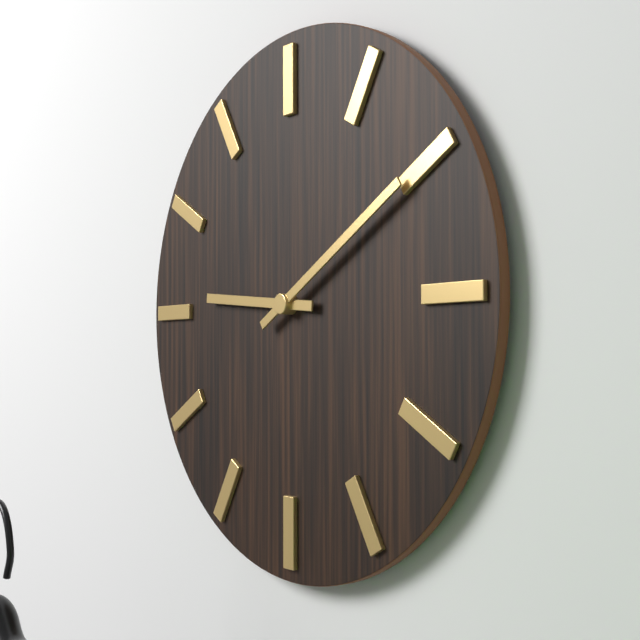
**9:10**
